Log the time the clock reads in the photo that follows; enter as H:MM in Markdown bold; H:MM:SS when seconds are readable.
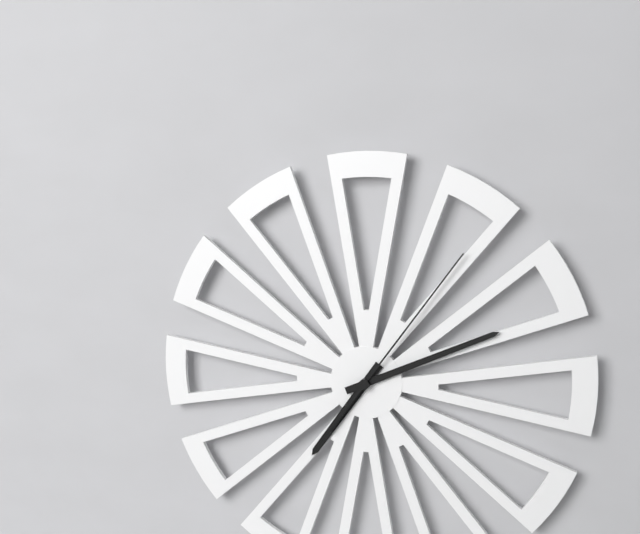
**7:11:06**
